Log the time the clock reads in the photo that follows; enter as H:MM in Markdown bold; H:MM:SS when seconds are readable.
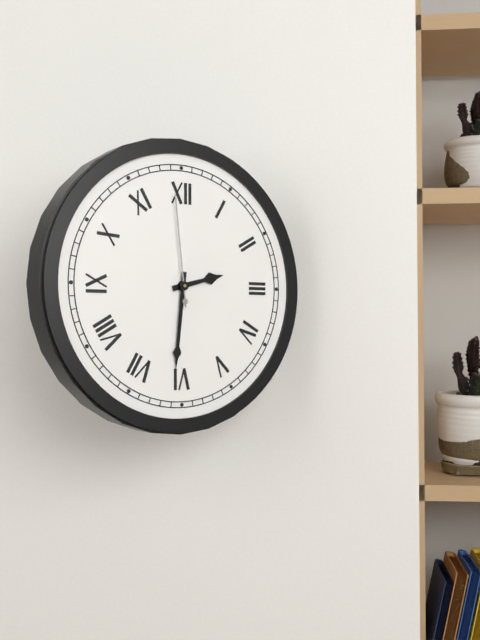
**2:31:59**
